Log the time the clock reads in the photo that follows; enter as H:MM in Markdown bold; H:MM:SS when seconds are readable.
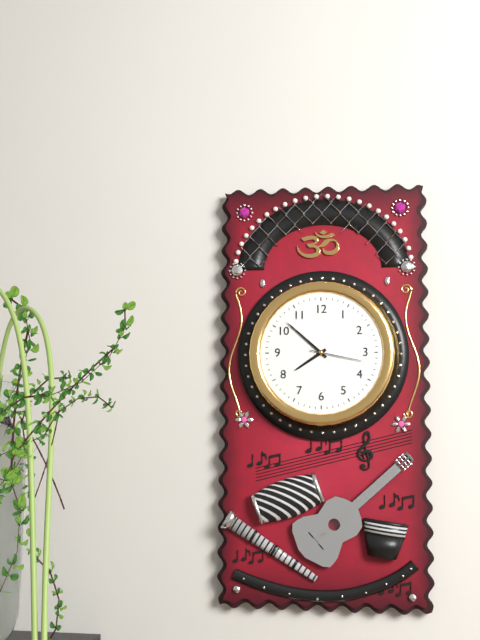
**7:52:17**
